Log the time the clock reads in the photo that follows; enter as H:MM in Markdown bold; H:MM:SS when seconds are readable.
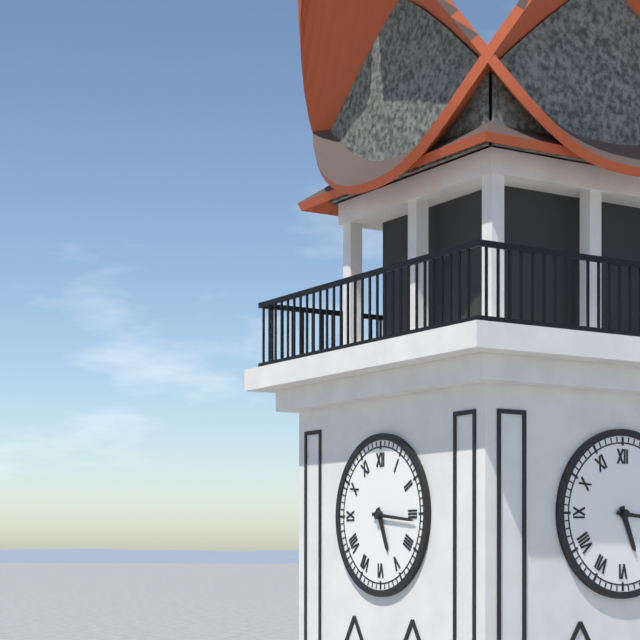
**5:16**
